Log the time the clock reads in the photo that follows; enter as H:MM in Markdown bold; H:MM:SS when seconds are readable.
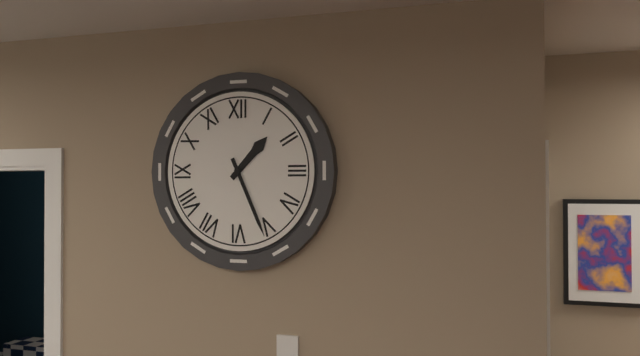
**1:26**
